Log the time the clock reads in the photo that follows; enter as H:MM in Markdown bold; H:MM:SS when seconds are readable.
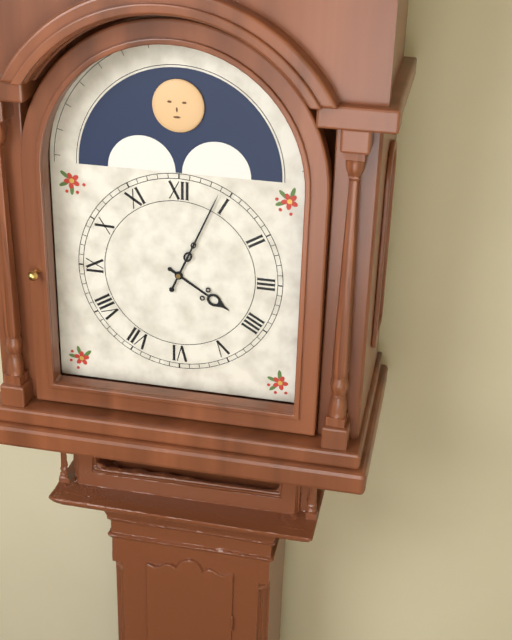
**4:04**
